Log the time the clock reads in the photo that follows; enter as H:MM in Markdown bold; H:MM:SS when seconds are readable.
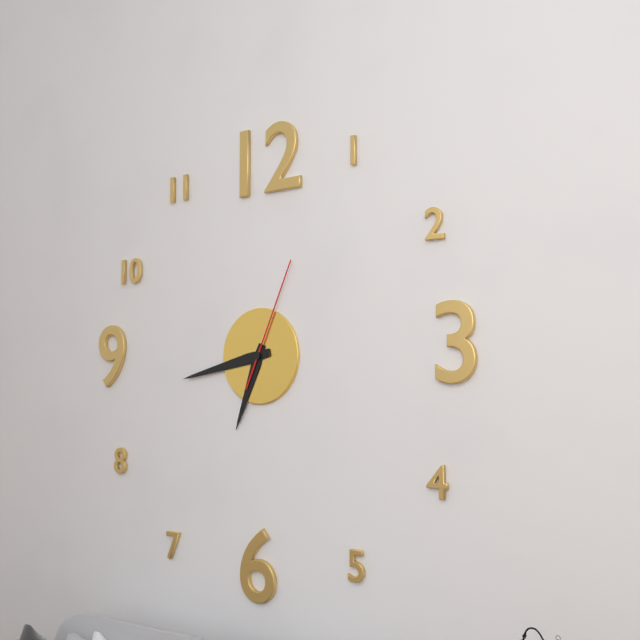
**6:43:04**
